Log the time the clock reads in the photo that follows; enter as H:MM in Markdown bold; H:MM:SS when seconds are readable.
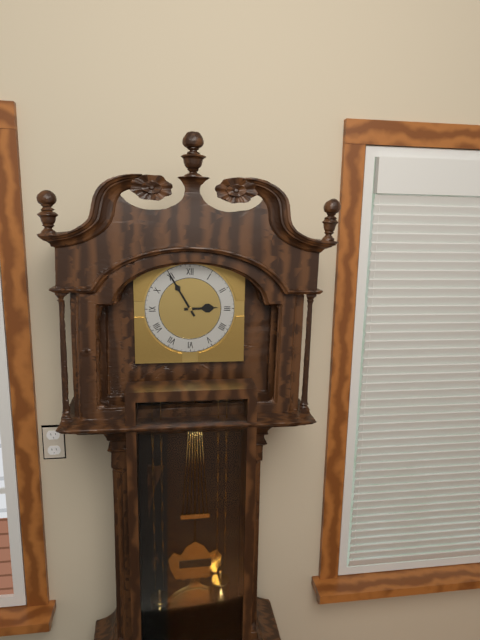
**2:55**
